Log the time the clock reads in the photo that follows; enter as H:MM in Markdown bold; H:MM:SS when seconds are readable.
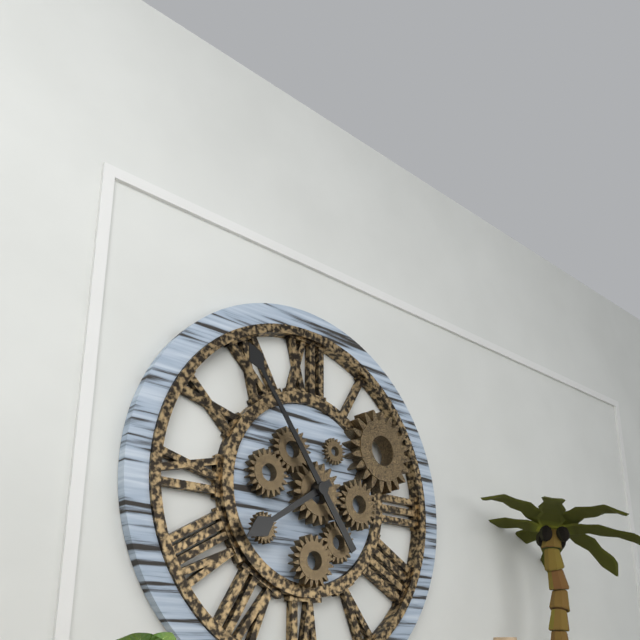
**7:54**
